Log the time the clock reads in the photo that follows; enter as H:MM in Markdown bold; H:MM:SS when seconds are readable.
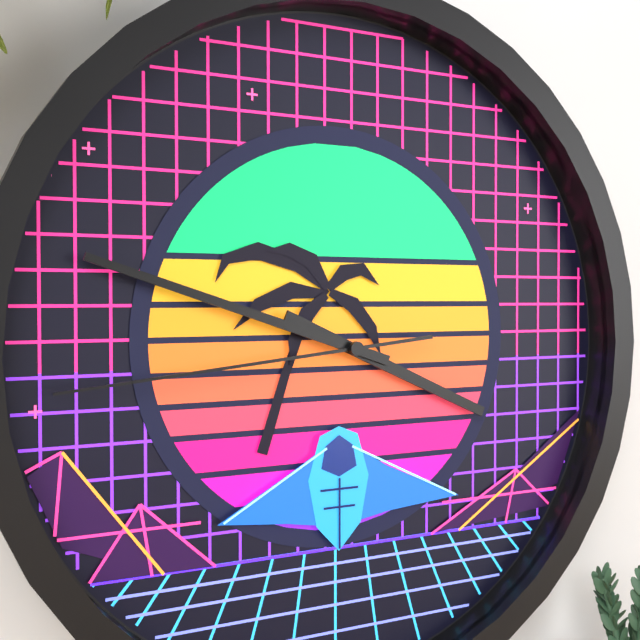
**3:48:44**
